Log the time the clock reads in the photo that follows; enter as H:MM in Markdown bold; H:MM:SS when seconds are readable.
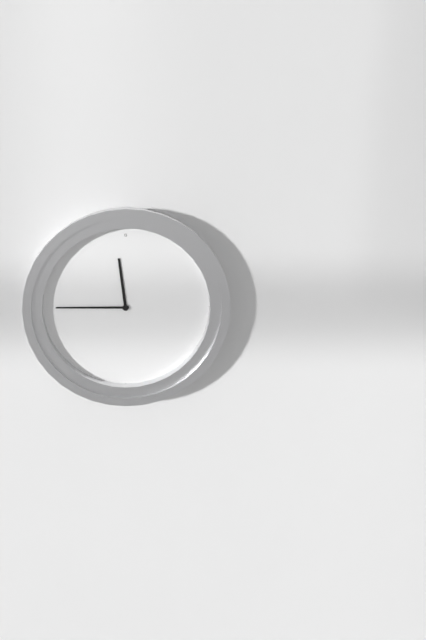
**11:45**
